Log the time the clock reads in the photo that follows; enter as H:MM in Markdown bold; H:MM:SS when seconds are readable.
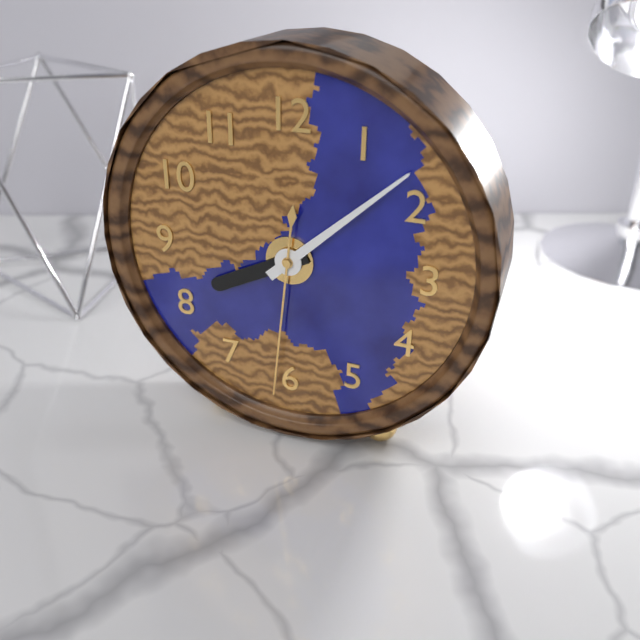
**8:08:31**
